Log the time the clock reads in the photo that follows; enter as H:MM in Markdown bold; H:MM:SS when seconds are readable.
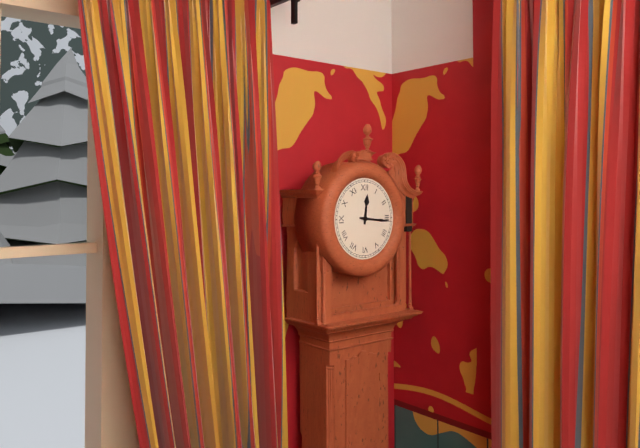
**12:16**
